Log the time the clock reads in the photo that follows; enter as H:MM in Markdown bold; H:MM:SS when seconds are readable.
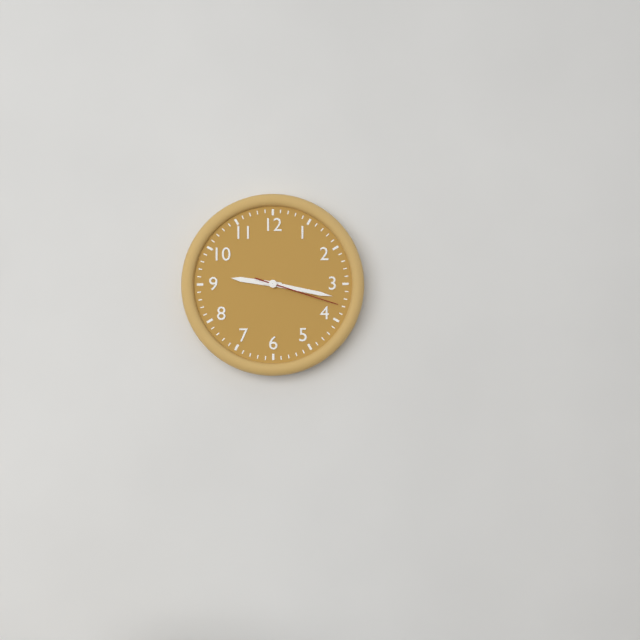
**9:17:18**
